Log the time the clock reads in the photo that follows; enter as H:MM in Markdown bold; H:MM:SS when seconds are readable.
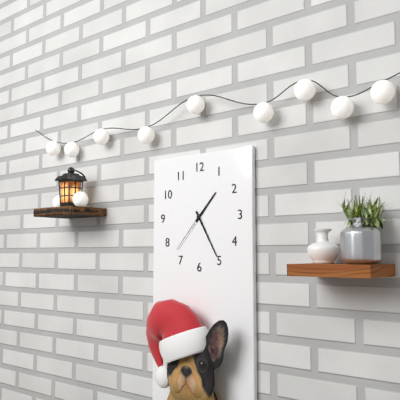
**1:25**
